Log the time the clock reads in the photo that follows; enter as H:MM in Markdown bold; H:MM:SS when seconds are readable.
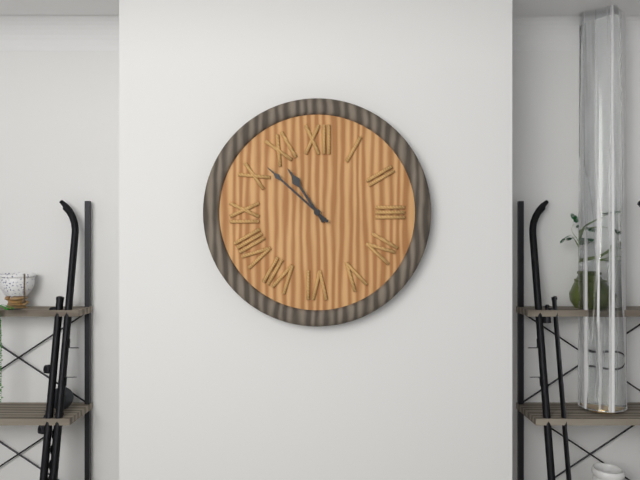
**10:52**
